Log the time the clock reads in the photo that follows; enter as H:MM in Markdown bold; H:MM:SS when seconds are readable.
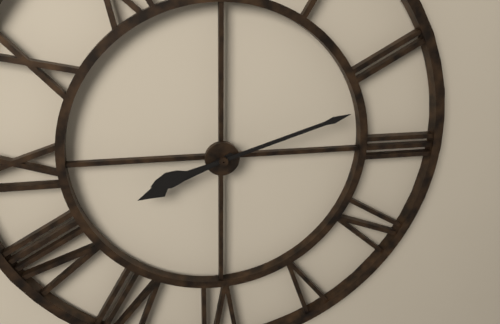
**8:12**
